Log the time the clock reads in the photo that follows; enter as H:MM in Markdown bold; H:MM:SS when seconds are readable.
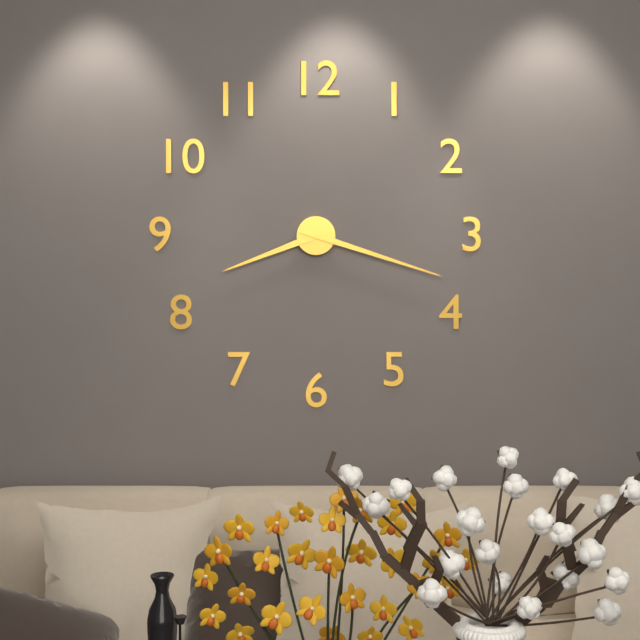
**8:18**
